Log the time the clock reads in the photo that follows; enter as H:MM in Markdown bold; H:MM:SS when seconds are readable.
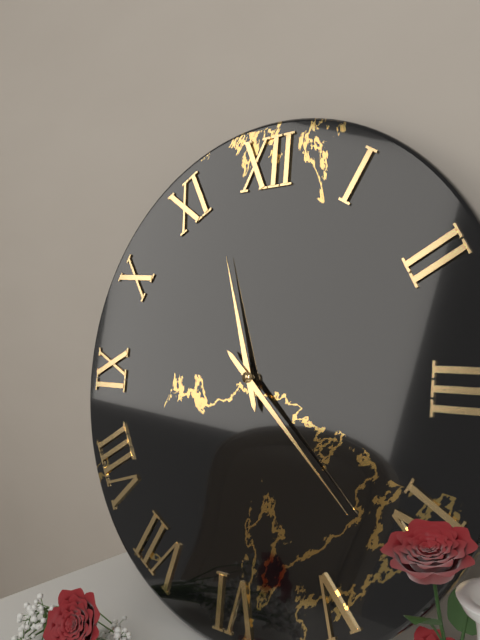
**11:22**
